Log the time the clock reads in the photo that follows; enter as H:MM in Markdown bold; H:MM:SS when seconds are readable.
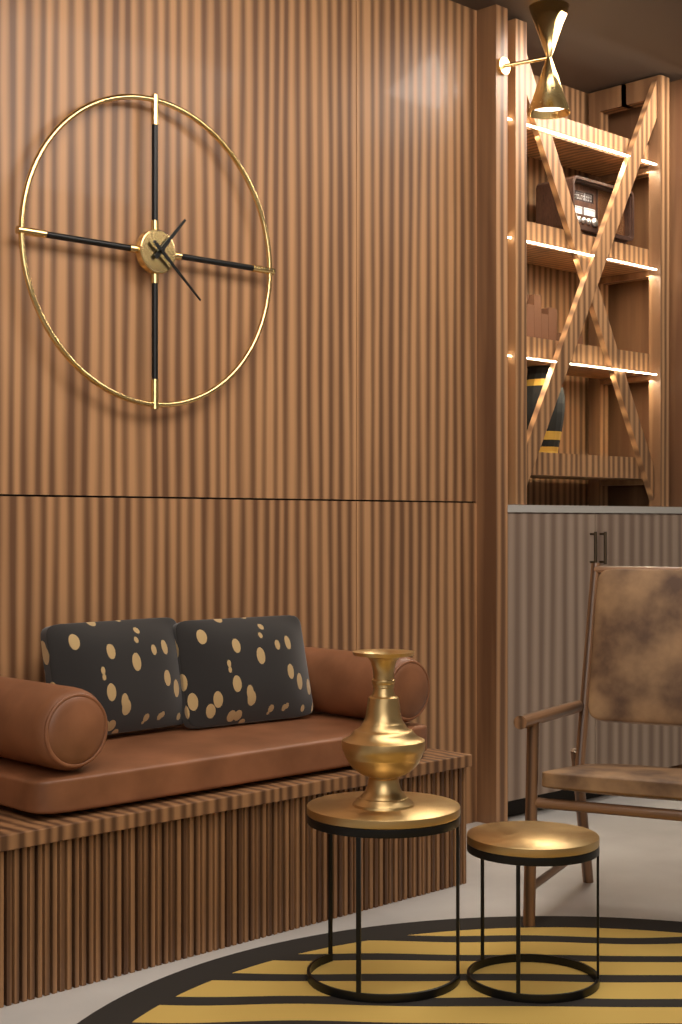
**1:22**
